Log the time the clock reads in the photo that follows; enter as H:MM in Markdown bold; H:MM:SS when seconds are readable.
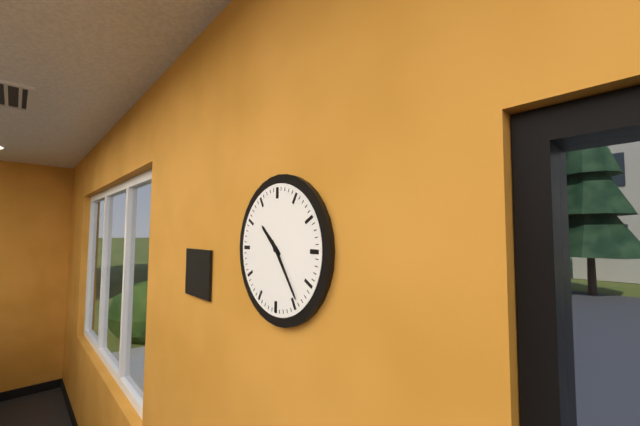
**10:24**
